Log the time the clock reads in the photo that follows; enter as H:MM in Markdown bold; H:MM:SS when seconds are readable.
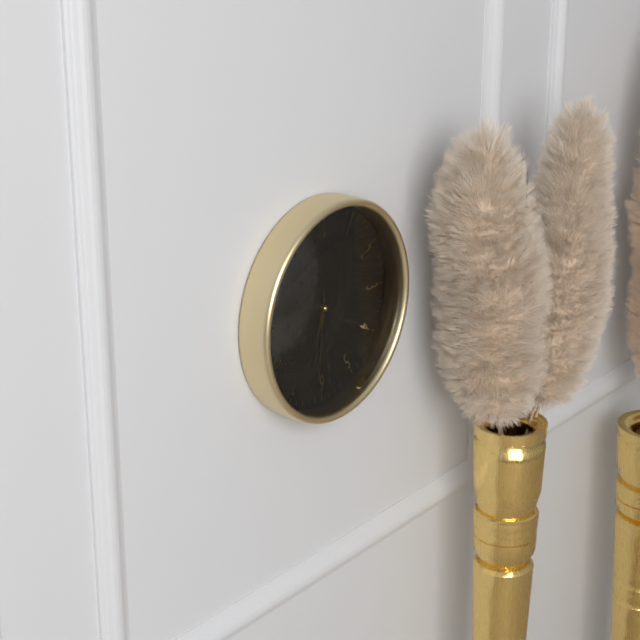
**6:31:29**
